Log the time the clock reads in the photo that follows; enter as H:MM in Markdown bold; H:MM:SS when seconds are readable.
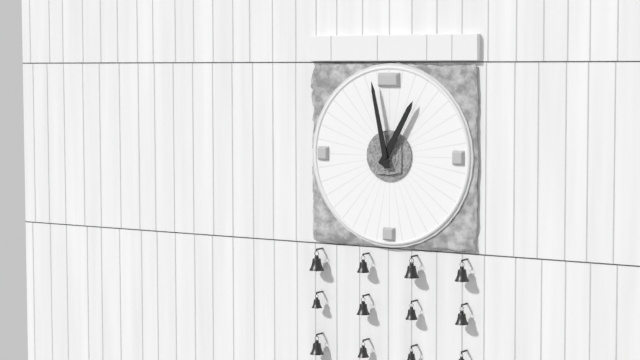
**12:58**
